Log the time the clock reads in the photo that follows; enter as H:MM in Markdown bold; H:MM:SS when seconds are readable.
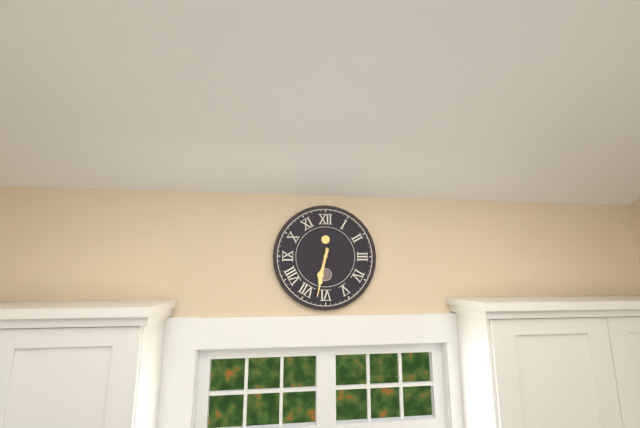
**6:32**
